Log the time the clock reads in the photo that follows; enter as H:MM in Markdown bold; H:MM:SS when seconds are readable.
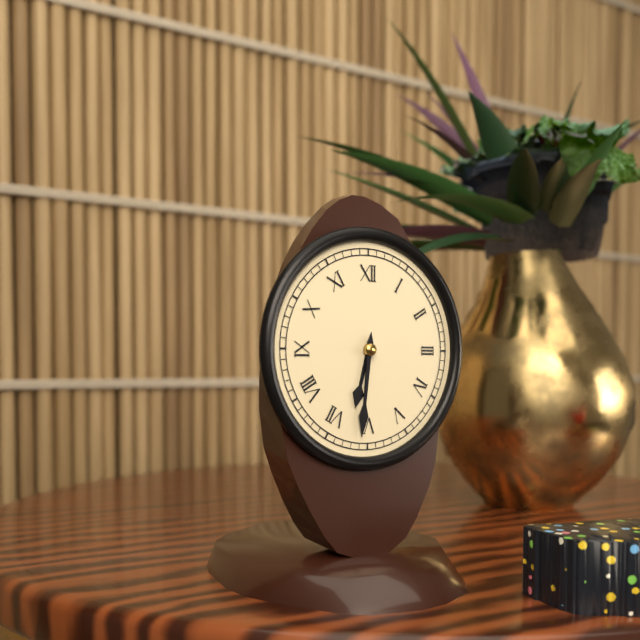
**6:31**
